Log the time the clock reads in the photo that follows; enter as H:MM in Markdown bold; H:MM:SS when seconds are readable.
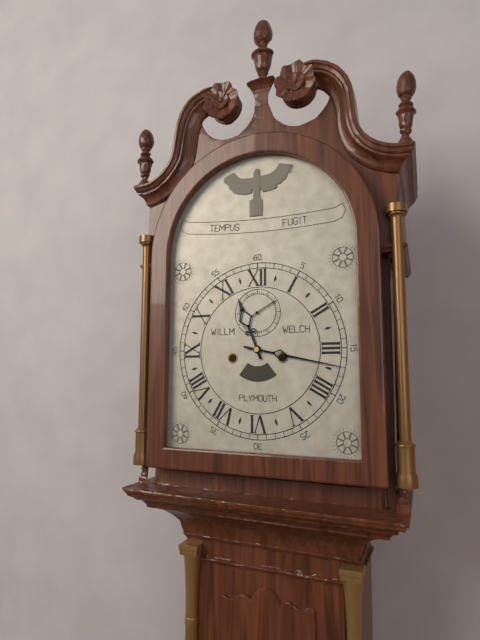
**11:17**
